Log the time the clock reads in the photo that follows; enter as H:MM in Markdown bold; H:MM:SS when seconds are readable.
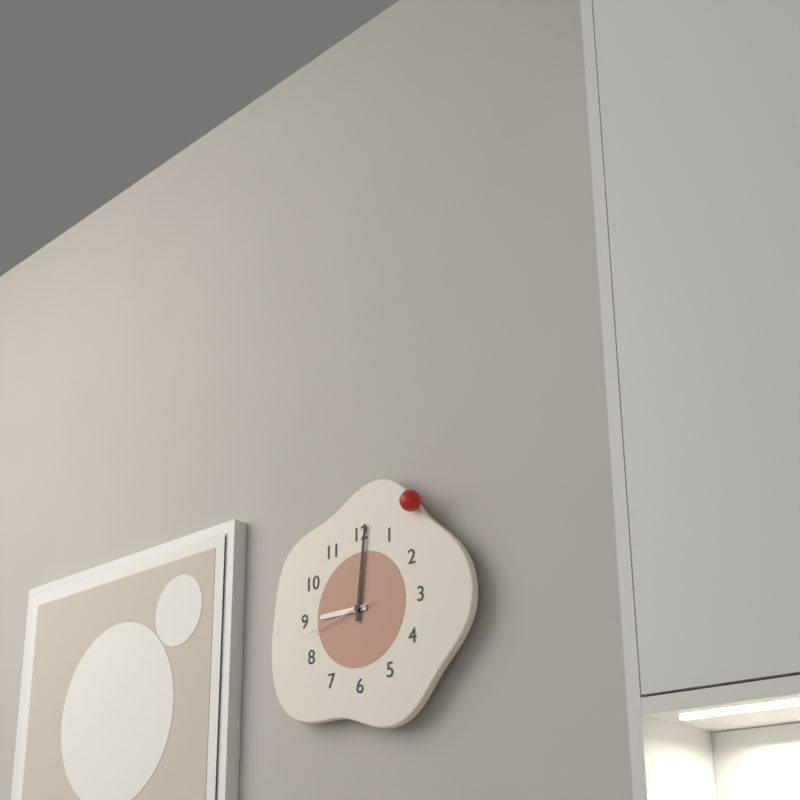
**9:01:43**
